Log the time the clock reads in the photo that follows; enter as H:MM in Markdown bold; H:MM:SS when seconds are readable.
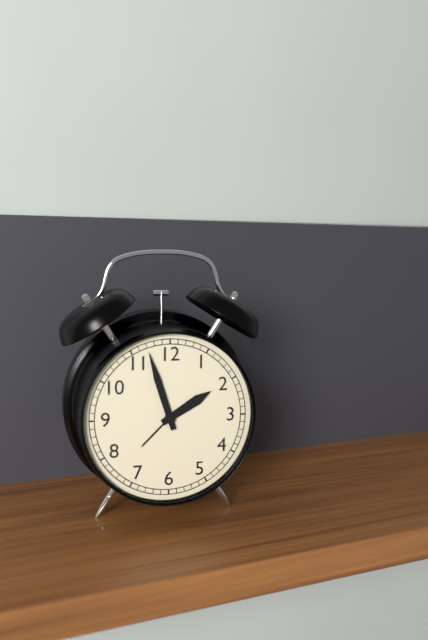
**1:57**
